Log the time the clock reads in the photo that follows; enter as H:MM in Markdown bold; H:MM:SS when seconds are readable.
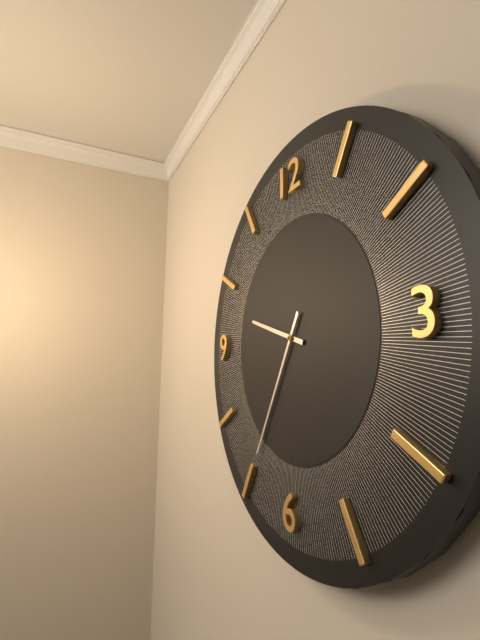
**9:35**
